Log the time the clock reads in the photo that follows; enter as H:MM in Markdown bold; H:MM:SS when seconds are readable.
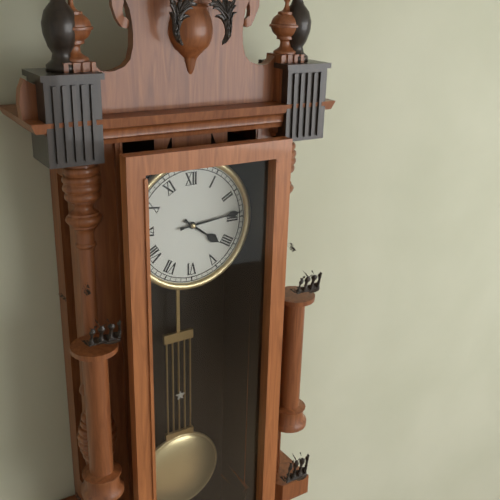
**4:14**
